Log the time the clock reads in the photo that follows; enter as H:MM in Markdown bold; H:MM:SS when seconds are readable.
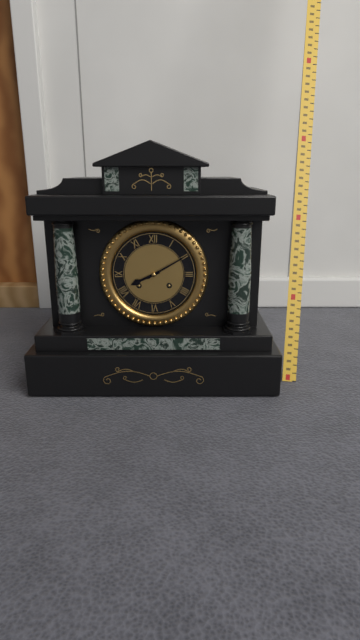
**8:10**
